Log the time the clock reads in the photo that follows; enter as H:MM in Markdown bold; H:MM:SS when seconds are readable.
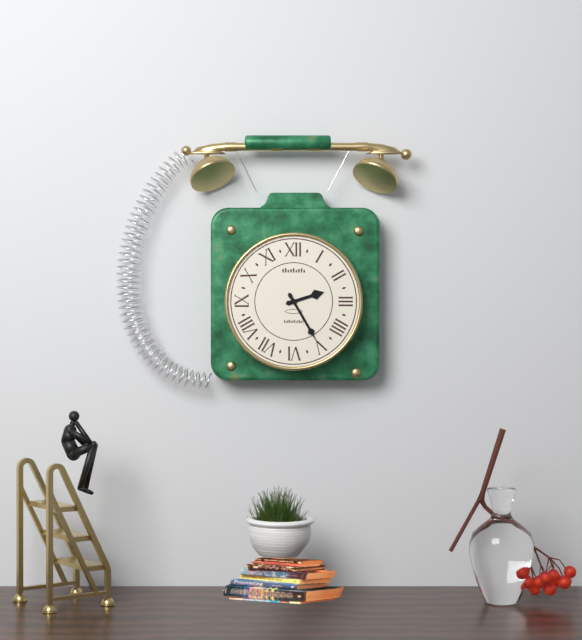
**2:25**
